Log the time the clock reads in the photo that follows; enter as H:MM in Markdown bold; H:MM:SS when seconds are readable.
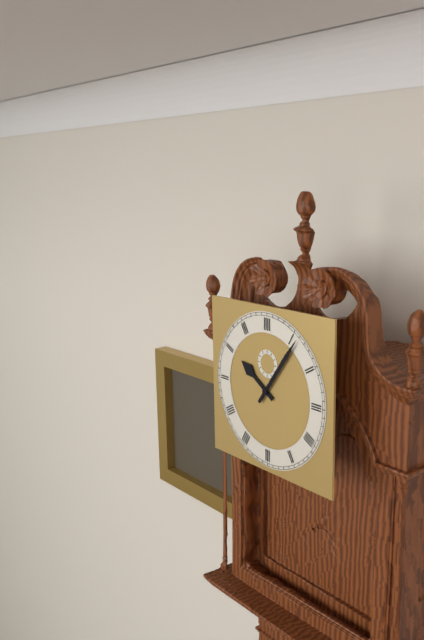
**10:06**
